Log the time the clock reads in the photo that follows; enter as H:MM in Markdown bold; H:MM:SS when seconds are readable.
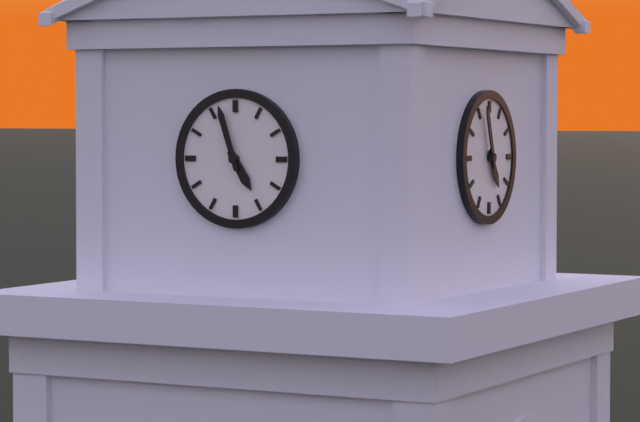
**4:57**
